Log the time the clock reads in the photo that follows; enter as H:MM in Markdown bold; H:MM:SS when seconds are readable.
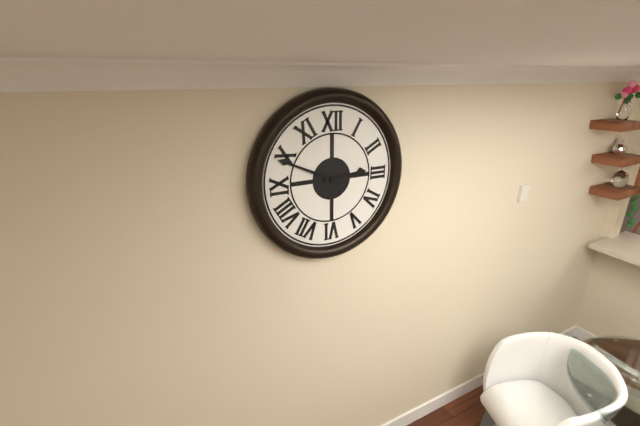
**2:49**
